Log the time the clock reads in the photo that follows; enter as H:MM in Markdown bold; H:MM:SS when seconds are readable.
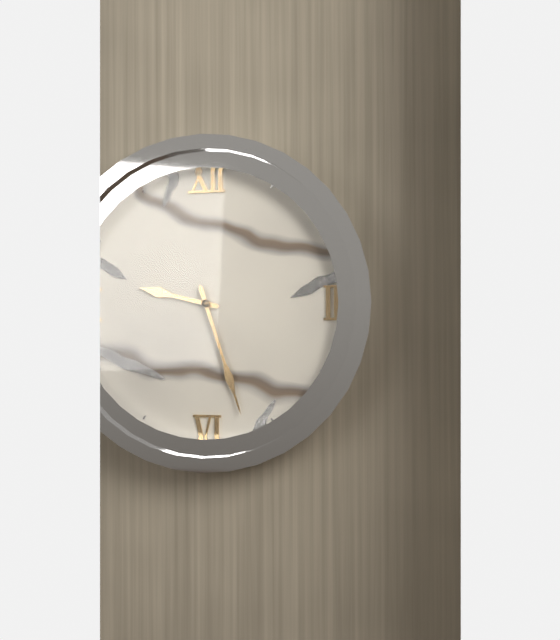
**9:27**
